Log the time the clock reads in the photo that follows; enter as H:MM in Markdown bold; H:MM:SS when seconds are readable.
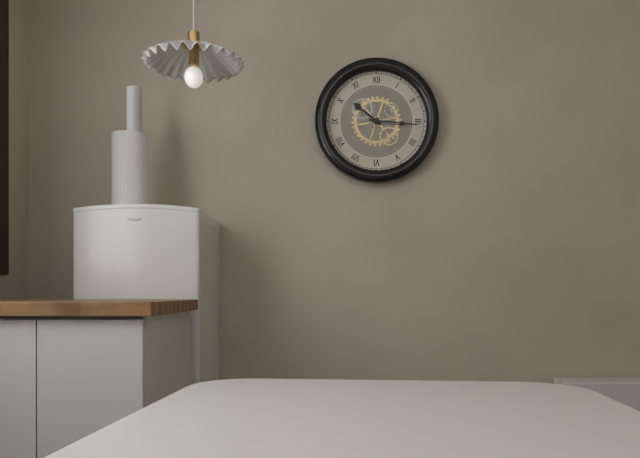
**10:16**
